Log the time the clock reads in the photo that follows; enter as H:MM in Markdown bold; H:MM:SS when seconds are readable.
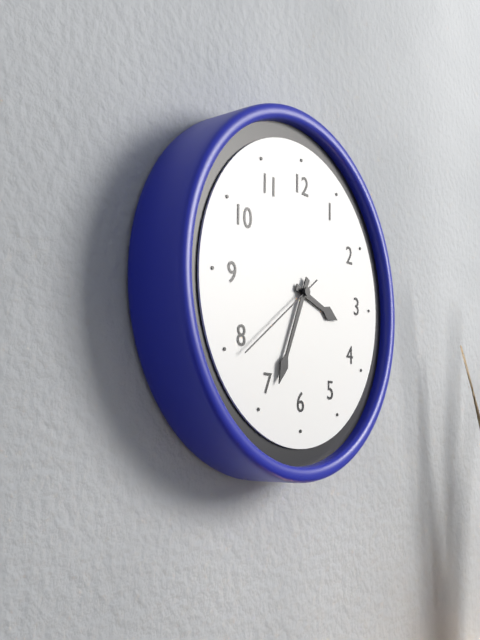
**3:34:39**
